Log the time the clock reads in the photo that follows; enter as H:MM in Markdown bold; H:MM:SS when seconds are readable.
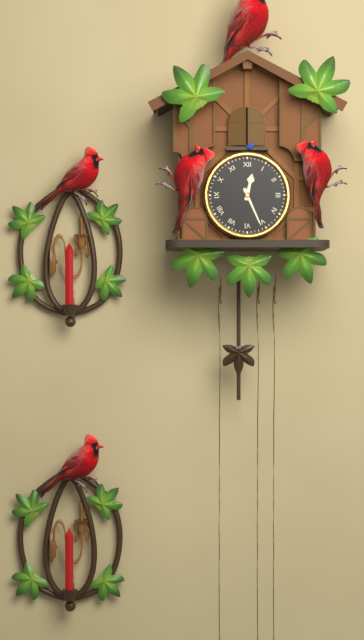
**12:26**
